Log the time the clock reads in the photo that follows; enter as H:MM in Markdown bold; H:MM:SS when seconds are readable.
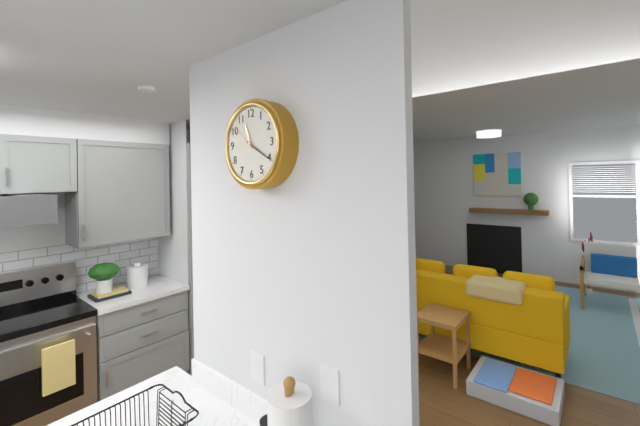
**11:20**
